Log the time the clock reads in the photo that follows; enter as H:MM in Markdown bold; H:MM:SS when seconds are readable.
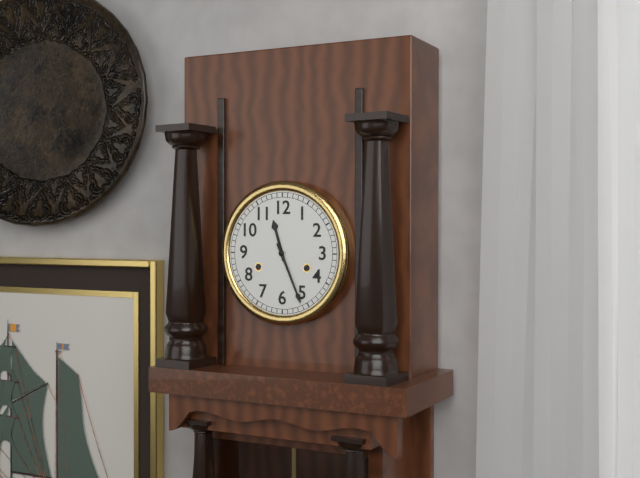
**11:26**
